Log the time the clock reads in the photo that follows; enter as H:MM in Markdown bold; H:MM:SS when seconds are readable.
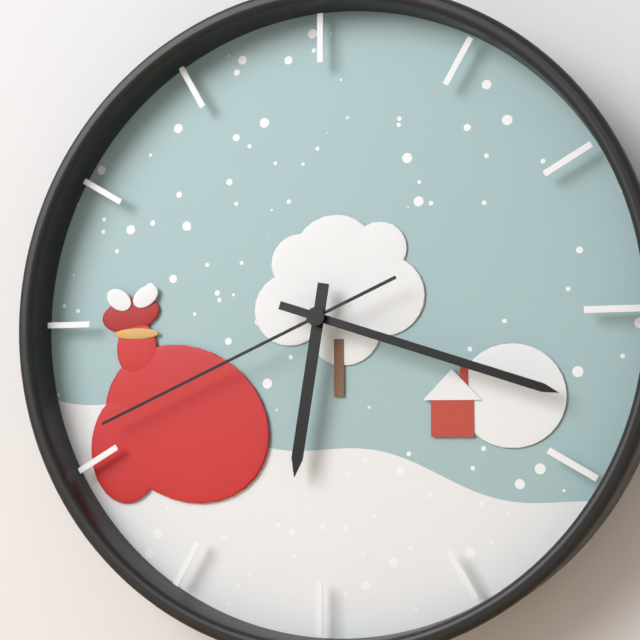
**6:18:41**
